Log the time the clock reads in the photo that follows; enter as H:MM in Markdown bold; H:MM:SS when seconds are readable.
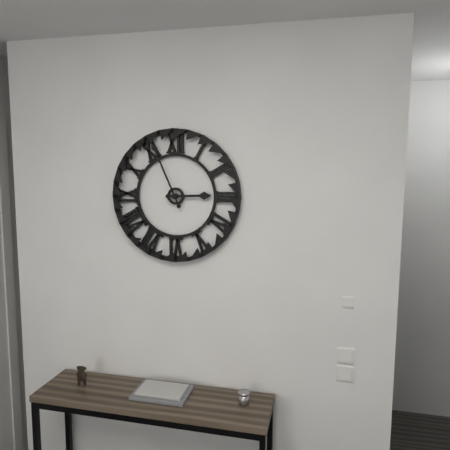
**2:56**
